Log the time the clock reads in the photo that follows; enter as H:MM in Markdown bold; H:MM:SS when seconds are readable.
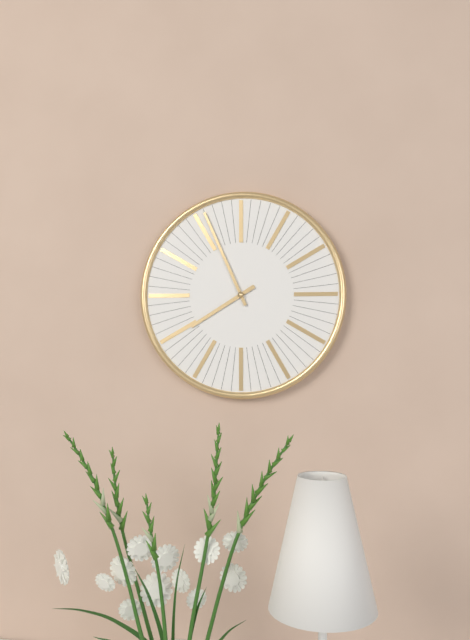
**7:56**
